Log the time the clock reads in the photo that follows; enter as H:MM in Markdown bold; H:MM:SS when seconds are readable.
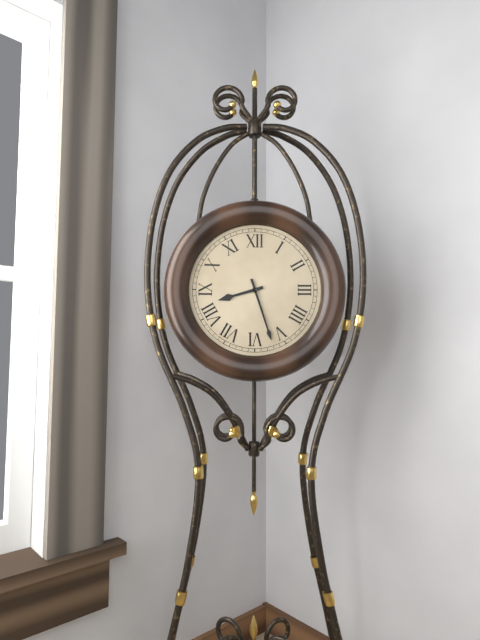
**8:27**
